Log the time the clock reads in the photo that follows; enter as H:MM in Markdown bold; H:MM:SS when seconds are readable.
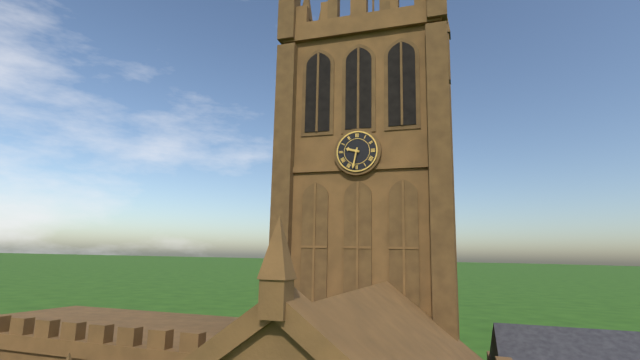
**9:32**
